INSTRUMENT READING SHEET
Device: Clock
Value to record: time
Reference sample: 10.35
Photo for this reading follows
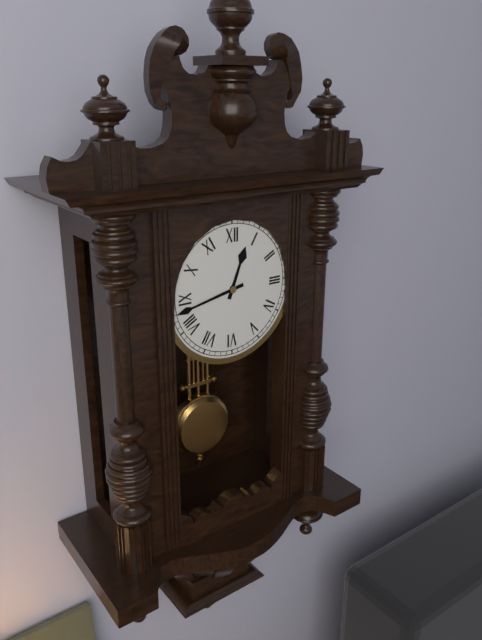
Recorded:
12.43
